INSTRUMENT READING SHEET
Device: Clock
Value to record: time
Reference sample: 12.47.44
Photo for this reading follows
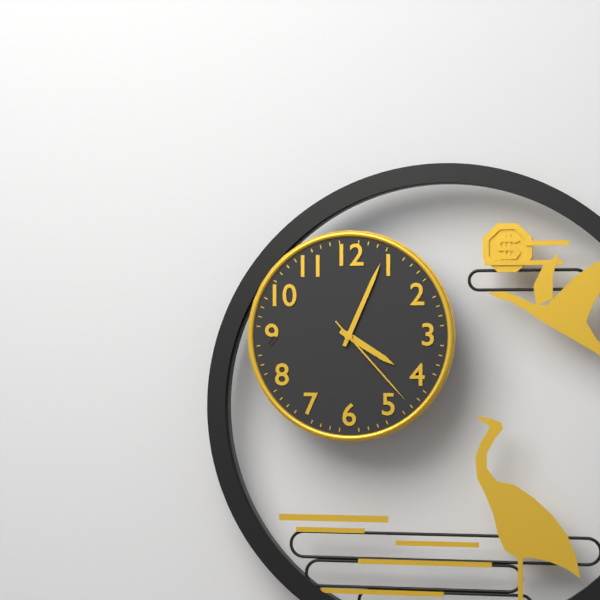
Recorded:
4.04.23
